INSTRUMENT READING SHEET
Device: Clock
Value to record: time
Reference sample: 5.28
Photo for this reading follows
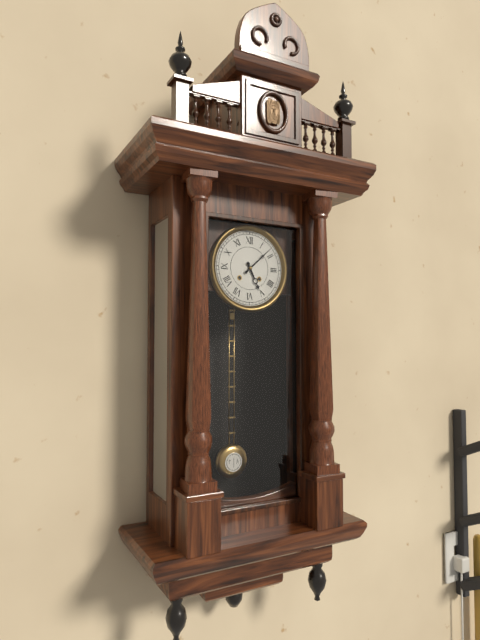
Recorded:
5.08
